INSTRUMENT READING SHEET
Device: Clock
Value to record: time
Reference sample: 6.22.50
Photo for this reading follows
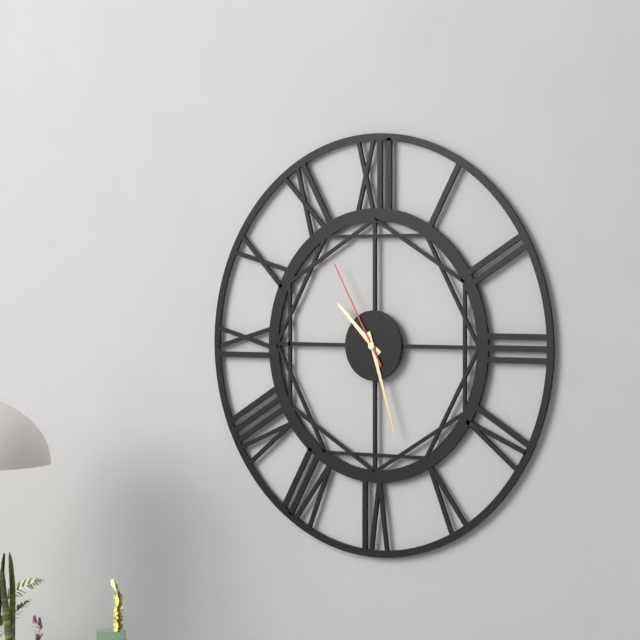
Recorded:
10.27.55
